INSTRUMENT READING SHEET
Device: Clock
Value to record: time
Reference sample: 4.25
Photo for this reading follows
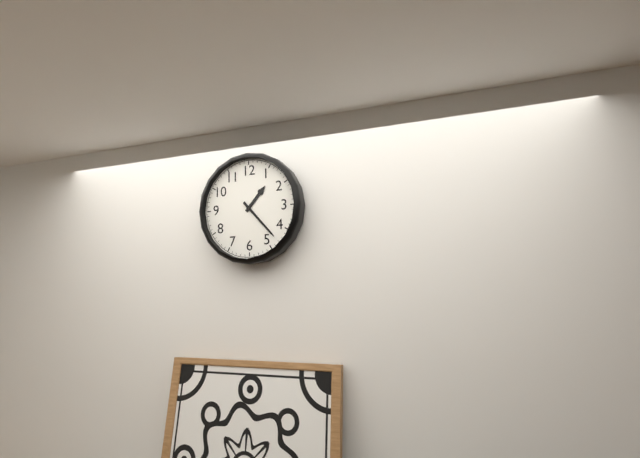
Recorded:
1.23
